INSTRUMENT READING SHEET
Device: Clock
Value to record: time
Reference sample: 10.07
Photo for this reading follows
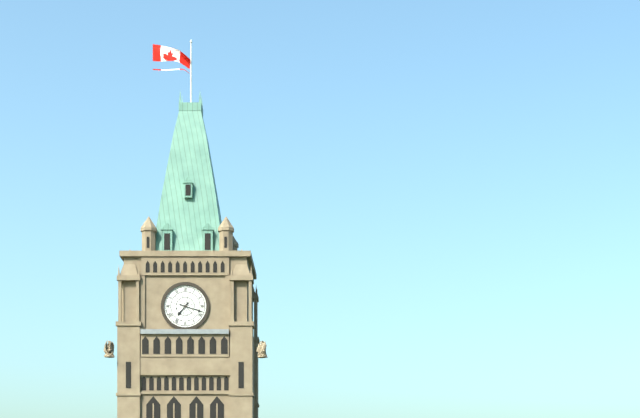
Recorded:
7.18
